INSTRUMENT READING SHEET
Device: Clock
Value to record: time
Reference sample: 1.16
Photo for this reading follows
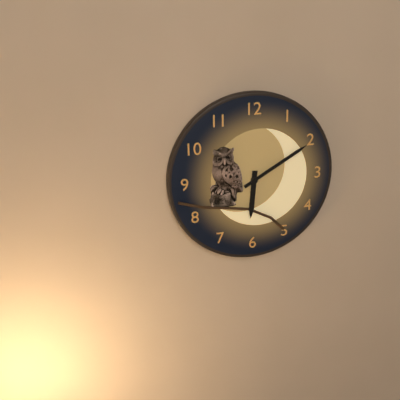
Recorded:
6.10
